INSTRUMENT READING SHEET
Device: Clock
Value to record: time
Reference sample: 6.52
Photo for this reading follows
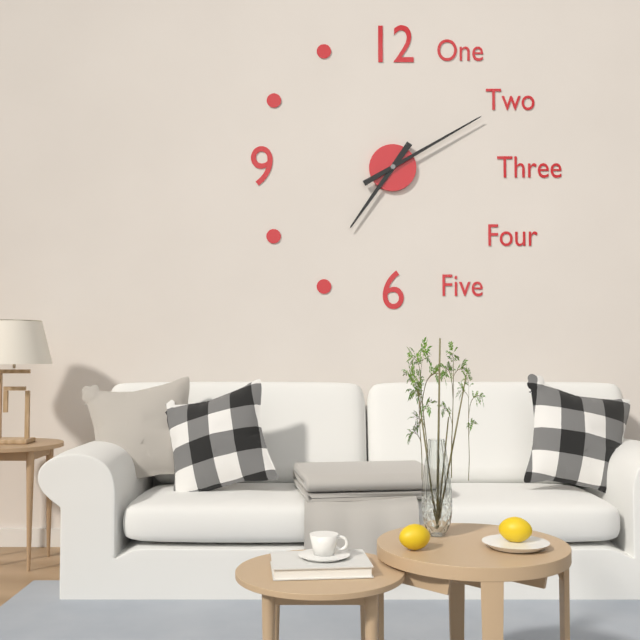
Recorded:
7.10
